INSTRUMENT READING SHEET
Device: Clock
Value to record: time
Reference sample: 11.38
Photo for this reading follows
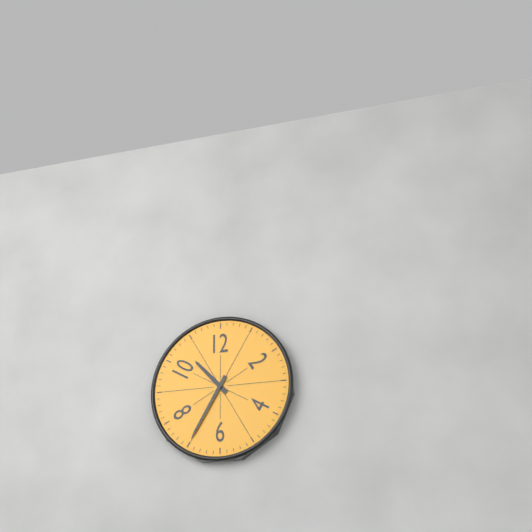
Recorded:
10.35
